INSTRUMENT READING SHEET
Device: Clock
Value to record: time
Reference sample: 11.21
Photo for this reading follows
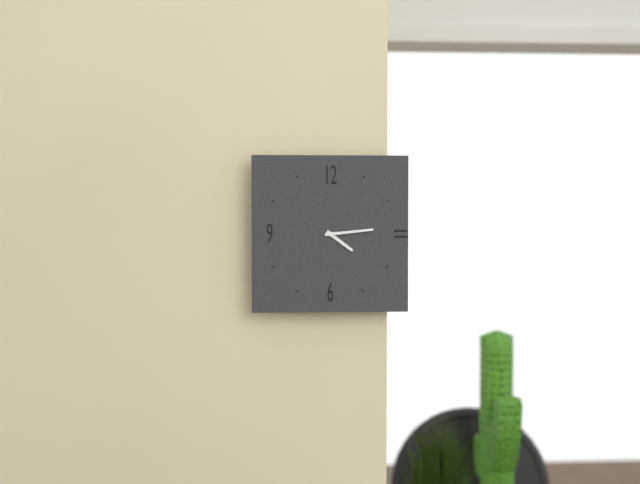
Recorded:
4.14
